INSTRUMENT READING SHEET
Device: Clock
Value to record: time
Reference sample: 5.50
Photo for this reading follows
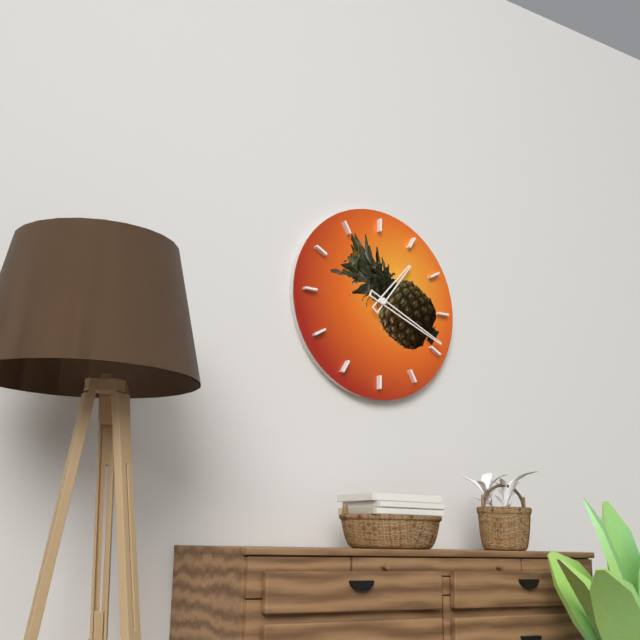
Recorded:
1.19
